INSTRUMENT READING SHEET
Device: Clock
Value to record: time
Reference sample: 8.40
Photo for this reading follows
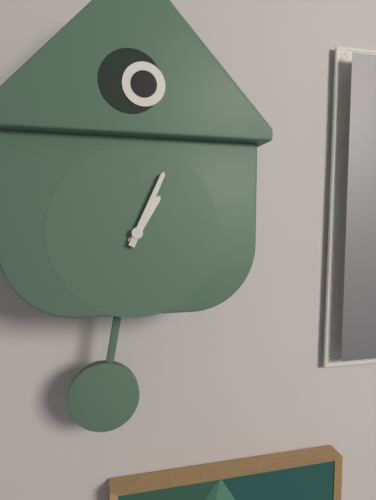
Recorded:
1.04
